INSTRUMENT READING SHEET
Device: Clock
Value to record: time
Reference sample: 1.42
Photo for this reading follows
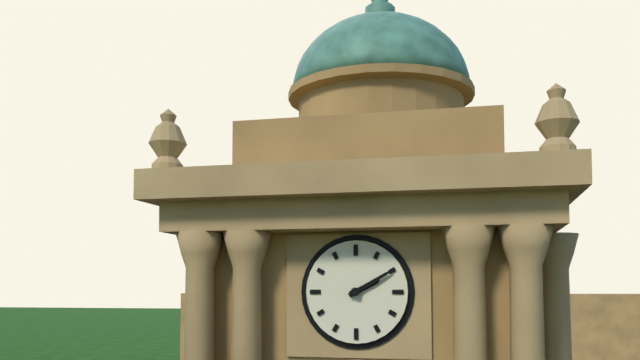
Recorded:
2.10
